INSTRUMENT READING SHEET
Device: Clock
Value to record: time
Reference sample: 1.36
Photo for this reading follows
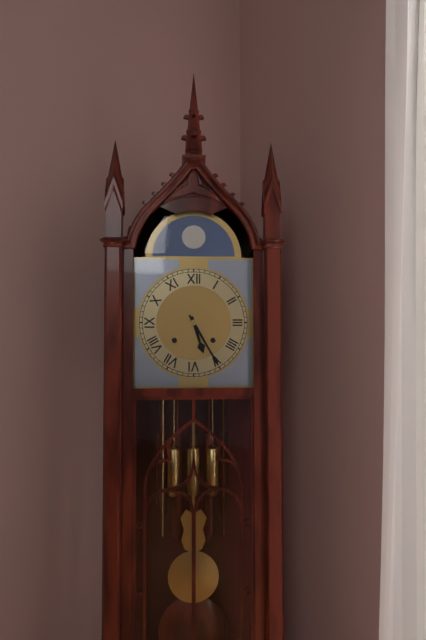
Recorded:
5.25
